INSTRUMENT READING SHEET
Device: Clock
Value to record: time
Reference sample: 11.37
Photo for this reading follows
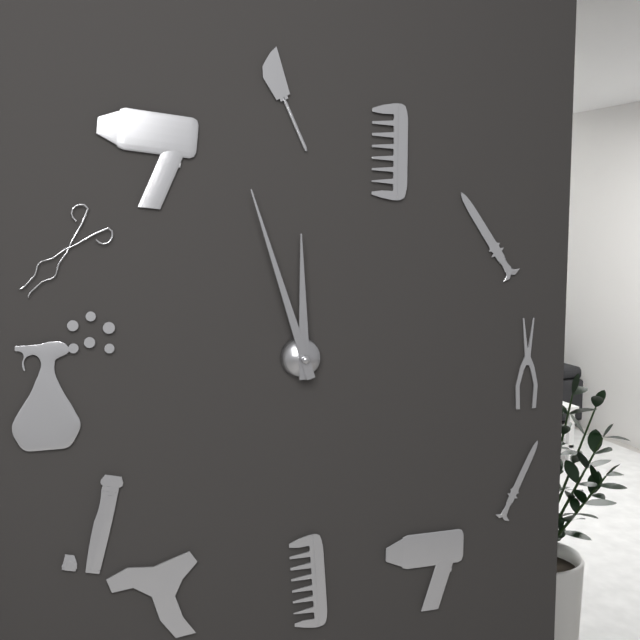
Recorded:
11.57
